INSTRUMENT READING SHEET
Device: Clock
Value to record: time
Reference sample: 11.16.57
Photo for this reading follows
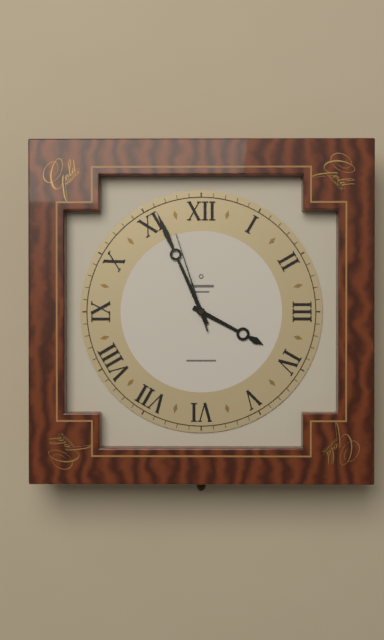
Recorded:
3.56.57
